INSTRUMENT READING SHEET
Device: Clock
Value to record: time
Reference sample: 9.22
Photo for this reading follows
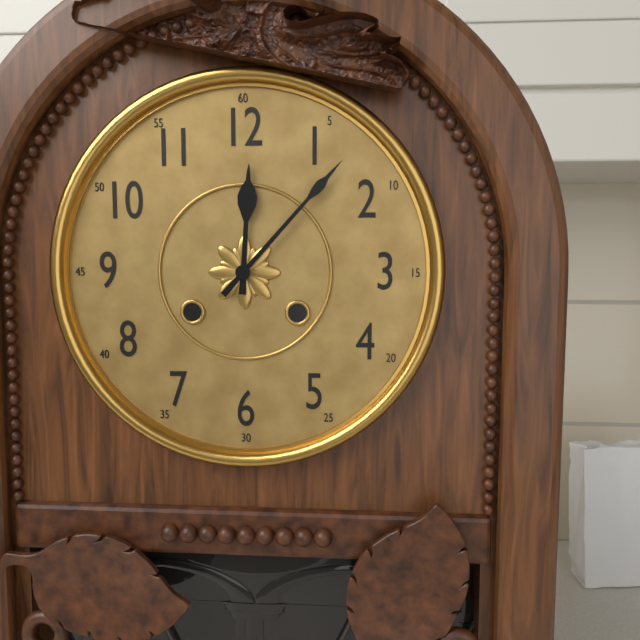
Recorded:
12.07
